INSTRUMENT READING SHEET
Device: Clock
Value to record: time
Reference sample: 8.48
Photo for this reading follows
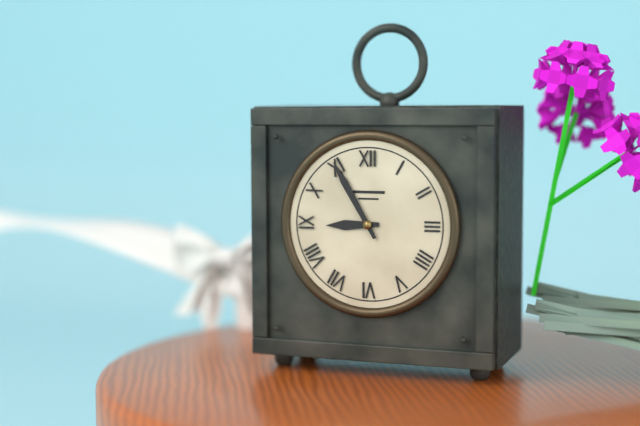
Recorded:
8.55
